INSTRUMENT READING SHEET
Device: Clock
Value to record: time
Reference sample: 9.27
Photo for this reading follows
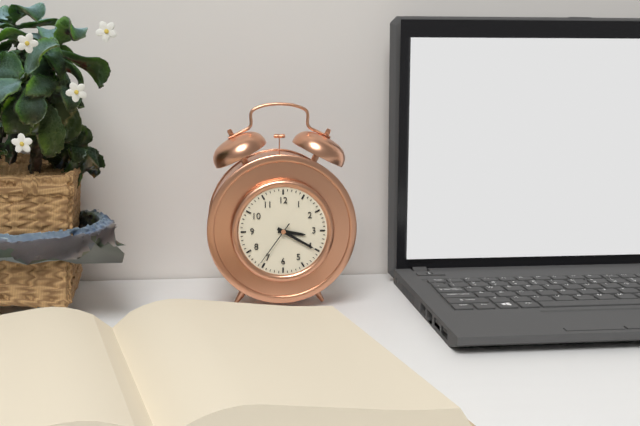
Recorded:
3.20
